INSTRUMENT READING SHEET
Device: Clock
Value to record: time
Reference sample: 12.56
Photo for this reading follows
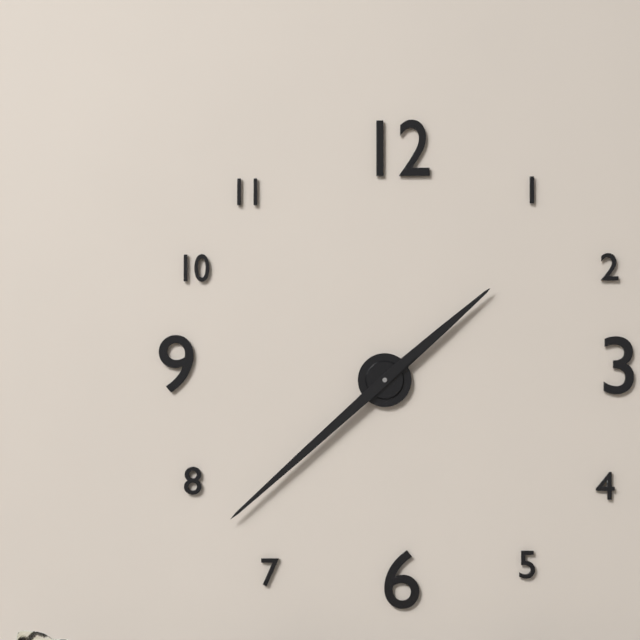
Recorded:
1.38
